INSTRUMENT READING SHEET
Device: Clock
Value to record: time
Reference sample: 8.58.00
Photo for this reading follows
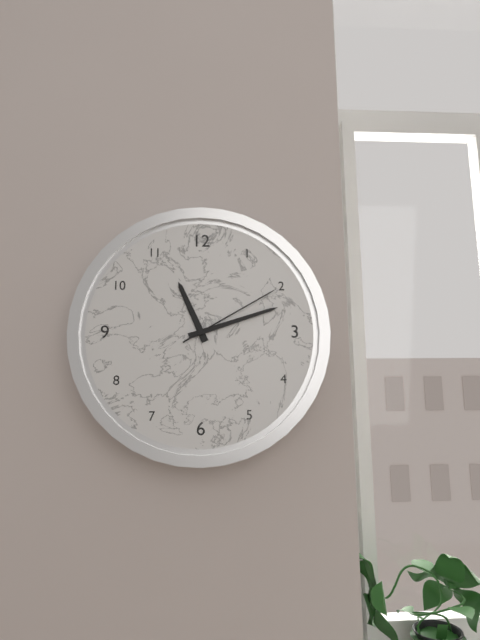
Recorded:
11.12.10
